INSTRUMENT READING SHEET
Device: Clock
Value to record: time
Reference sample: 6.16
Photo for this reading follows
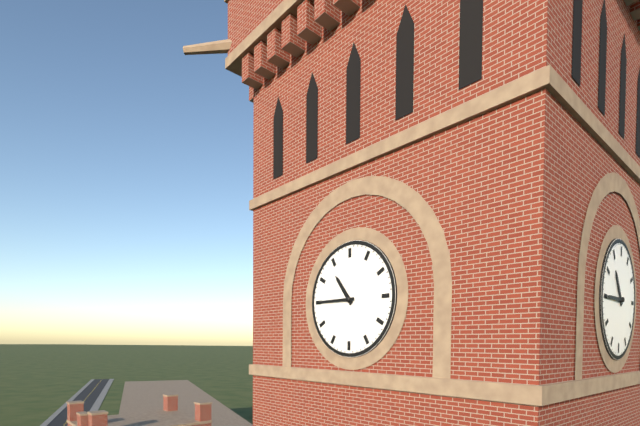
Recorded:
10.45
